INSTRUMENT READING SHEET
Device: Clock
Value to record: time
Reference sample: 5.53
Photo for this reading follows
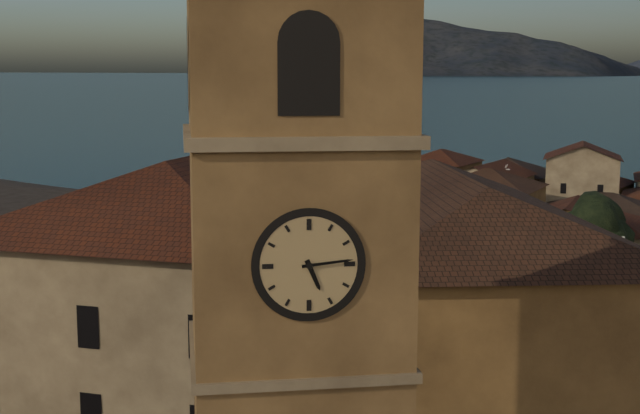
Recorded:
5.14
